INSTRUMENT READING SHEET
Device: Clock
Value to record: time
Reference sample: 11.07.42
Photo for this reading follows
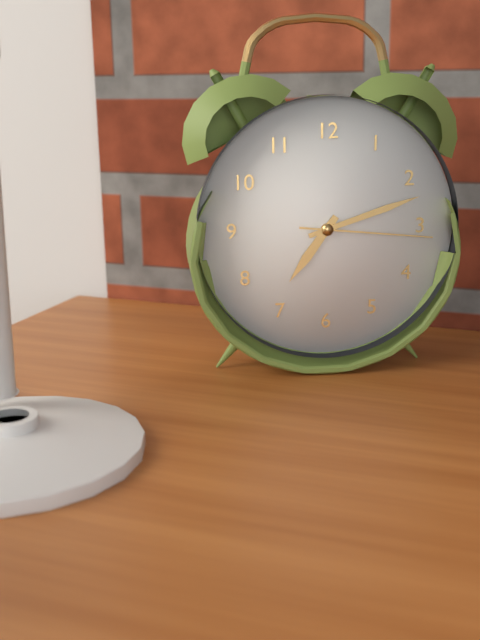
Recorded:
7.12.16
